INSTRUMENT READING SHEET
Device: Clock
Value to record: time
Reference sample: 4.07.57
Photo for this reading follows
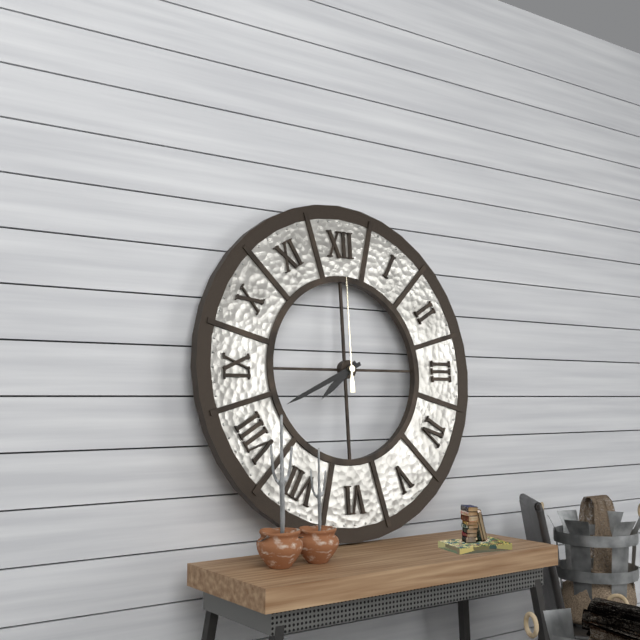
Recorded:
7.41.00
